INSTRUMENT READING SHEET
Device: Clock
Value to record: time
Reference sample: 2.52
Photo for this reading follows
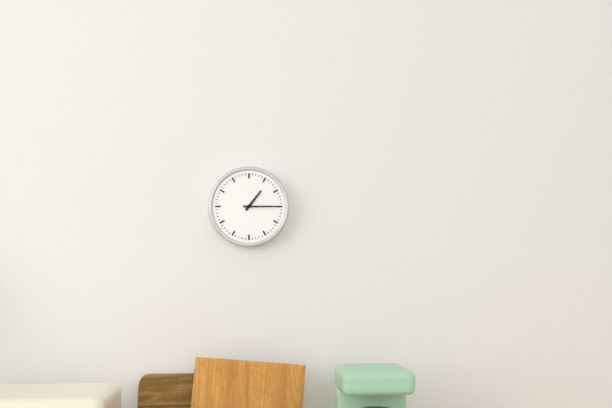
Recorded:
1.15
